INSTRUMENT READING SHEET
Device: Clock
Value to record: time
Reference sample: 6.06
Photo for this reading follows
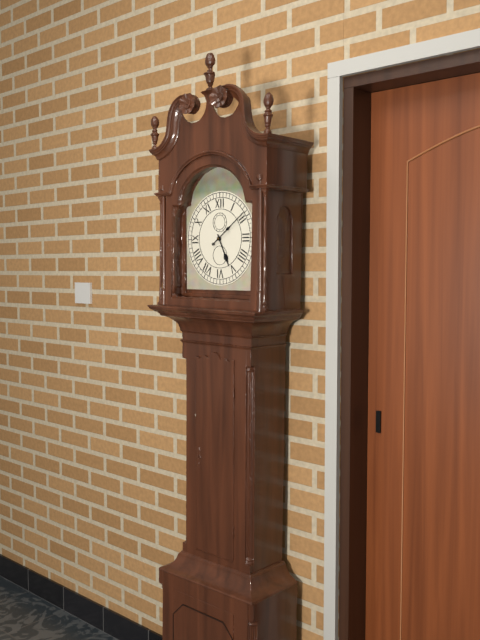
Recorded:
5.09
